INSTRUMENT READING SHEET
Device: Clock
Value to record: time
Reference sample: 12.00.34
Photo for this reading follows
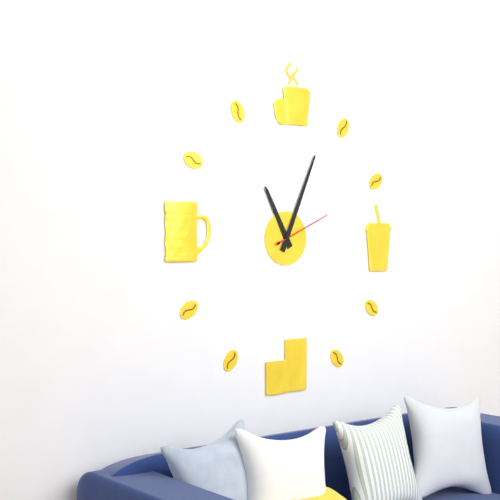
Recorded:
11.04.11
